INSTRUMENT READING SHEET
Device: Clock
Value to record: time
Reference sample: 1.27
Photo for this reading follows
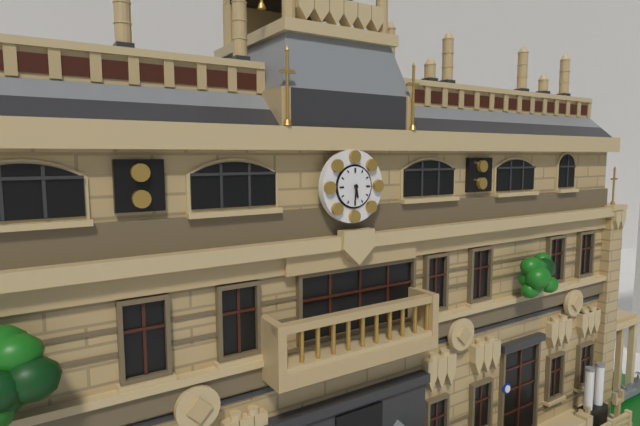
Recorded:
5.31
